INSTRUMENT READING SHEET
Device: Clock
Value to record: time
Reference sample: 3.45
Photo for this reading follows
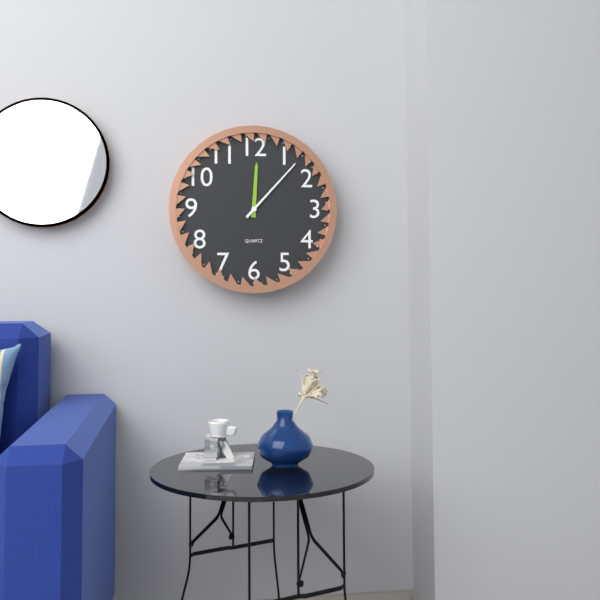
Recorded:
12.07
